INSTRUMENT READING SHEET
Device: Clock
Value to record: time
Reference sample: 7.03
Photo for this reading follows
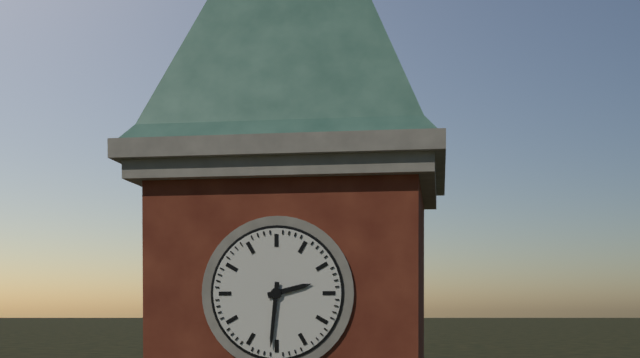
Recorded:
2.31
